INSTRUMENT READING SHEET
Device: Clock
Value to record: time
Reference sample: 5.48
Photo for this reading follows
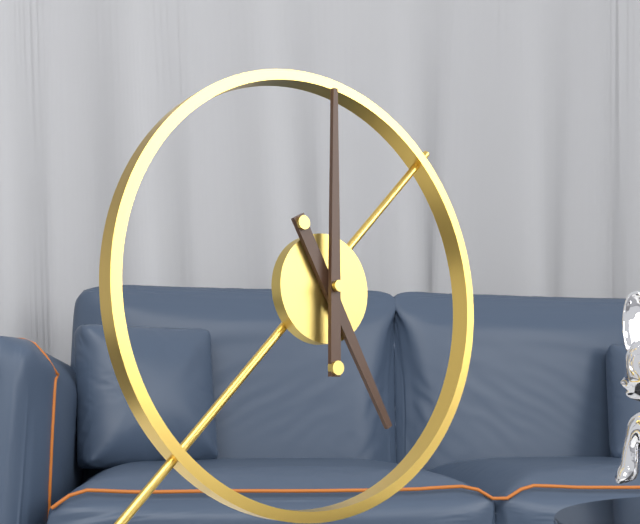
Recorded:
5.00
